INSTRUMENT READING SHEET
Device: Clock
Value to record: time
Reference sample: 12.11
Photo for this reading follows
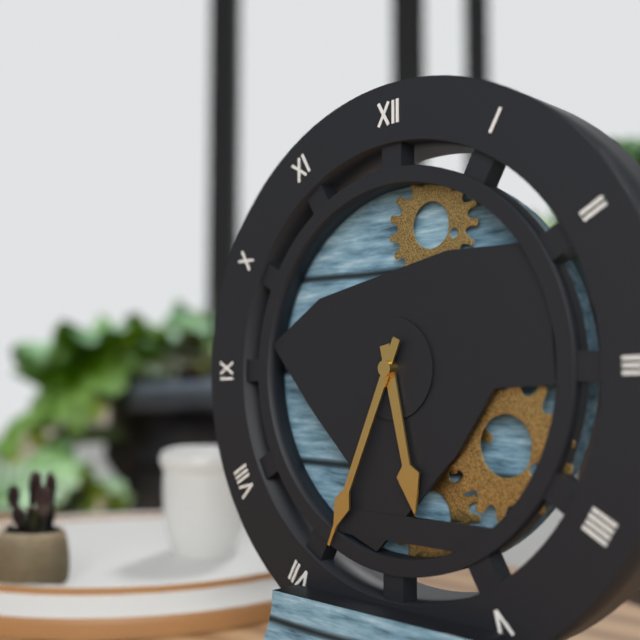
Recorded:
5.34
